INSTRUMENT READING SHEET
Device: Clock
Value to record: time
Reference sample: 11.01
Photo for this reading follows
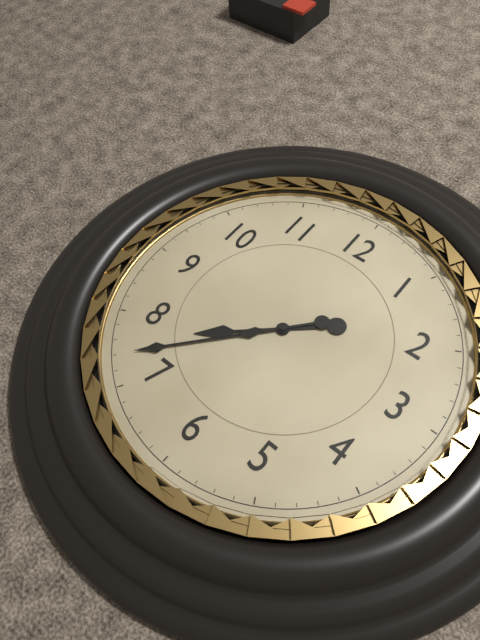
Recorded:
7.37
